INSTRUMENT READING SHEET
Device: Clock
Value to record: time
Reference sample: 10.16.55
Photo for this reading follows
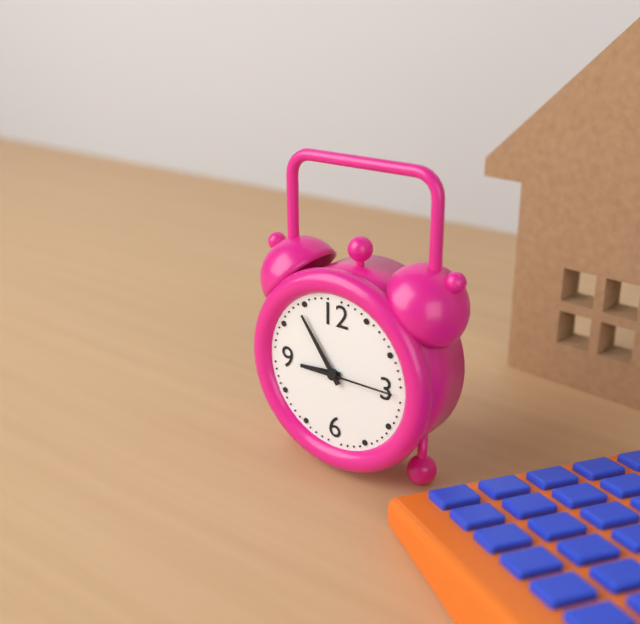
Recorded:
8.54.15
